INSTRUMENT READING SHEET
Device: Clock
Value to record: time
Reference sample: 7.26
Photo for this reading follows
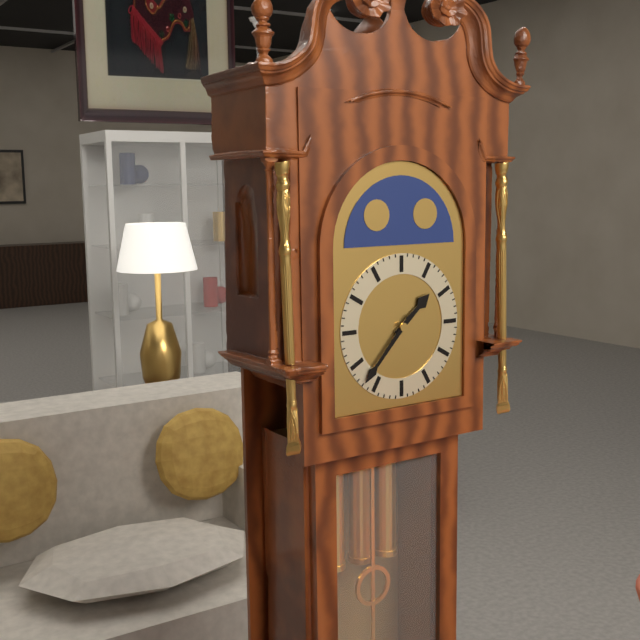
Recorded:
1.37
